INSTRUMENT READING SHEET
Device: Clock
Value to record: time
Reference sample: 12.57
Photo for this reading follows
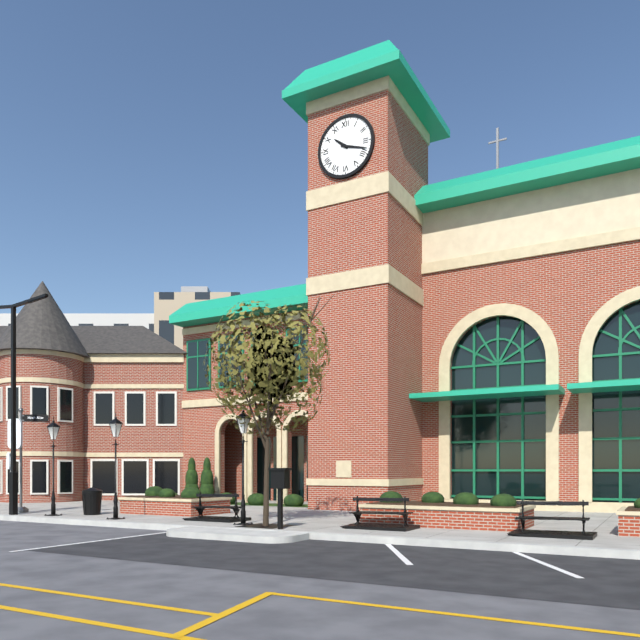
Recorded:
10.18
